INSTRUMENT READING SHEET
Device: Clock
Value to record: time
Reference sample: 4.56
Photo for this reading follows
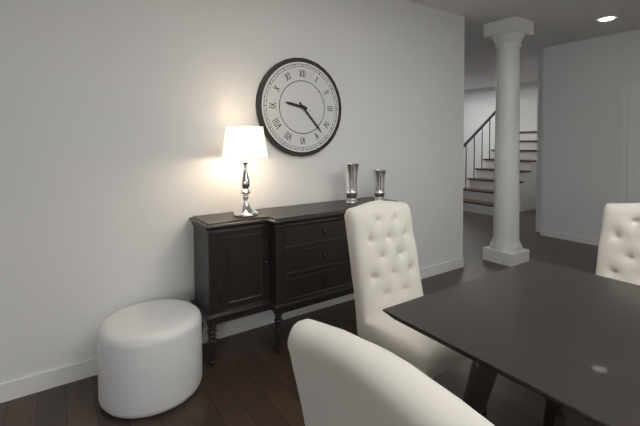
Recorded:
9.23
